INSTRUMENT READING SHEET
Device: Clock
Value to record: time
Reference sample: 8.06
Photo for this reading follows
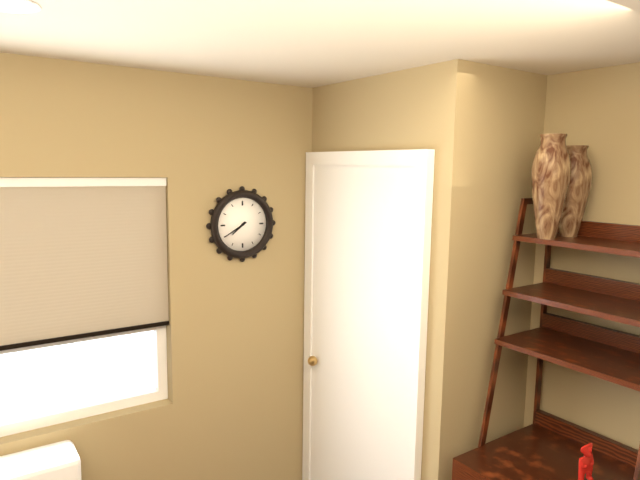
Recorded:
7.40
